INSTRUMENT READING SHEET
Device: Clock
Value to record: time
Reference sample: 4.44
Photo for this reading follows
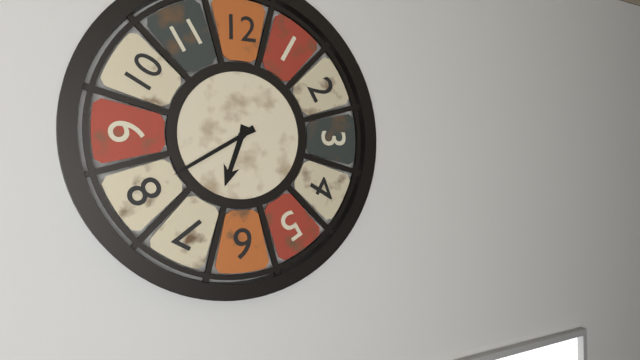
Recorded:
6.40
